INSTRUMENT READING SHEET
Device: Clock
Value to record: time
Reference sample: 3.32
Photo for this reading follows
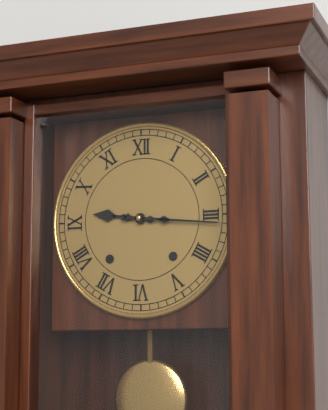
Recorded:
9.16
